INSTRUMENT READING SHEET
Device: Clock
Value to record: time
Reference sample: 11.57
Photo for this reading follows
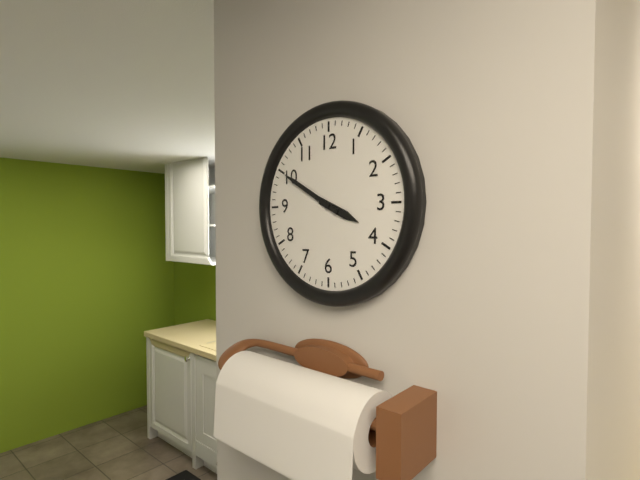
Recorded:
3.50
